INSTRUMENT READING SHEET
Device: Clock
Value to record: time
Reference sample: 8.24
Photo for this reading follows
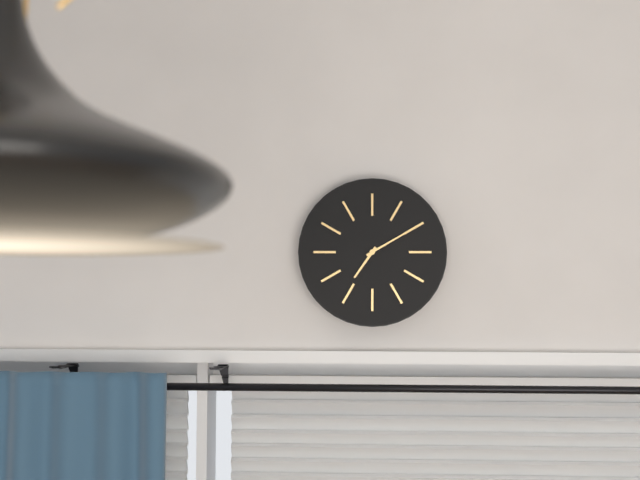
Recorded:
7.10
